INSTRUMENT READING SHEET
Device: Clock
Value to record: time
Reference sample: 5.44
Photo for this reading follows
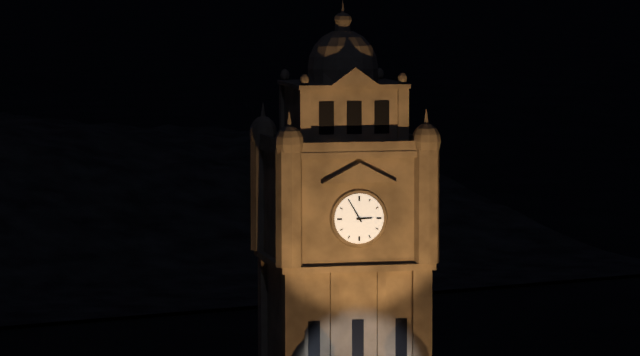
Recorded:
2.55
